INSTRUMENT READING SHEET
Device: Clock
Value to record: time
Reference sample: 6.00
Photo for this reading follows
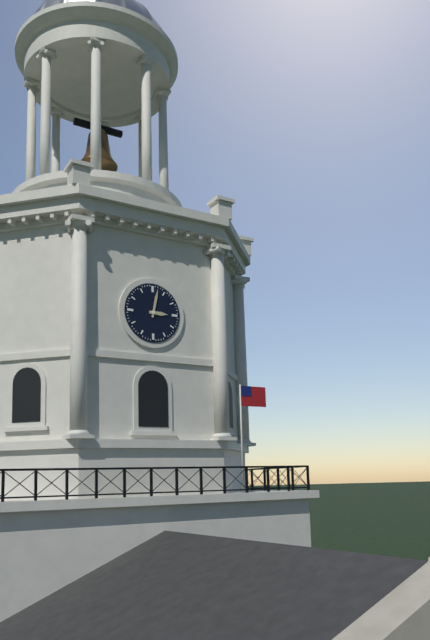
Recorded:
3.02
